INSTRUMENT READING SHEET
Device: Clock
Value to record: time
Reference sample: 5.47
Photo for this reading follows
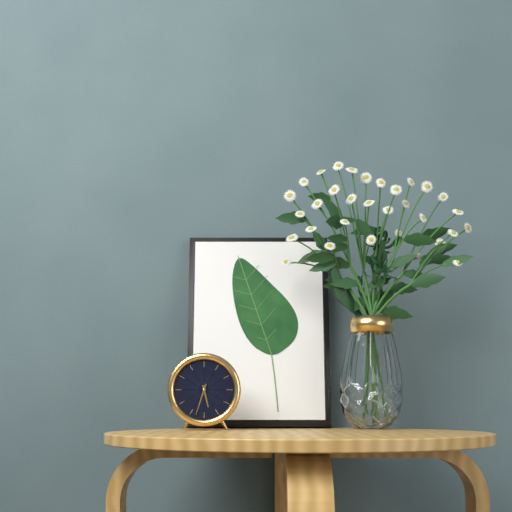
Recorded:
5.33
